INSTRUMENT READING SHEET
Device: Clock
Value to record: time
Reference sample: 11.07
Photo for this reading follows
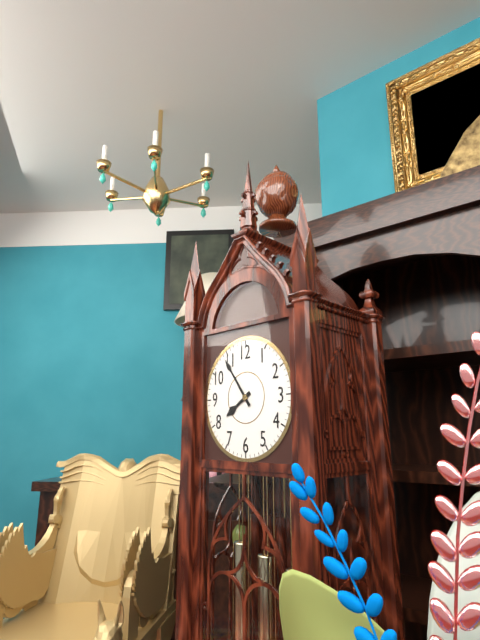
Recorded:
7.54
